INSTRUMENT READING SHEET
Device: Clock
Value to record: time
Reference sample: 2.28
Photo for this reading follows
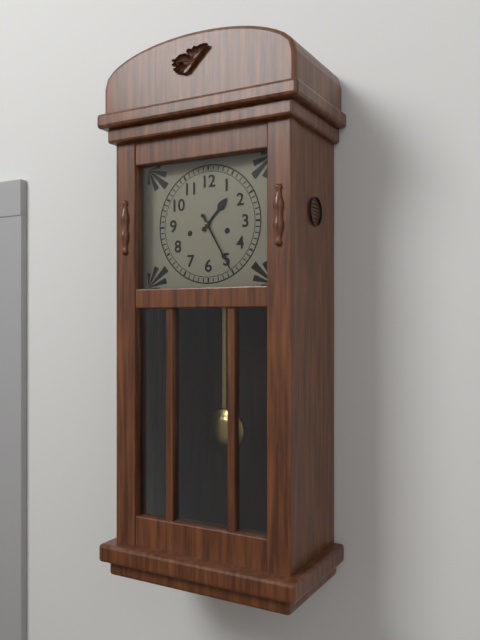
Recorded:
1.25
